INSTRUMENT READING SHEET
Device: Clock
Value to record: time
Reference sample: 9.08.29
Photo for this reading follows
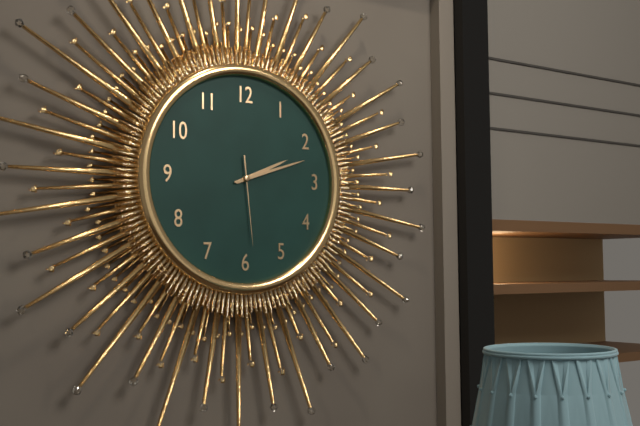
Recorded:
2.12.29
